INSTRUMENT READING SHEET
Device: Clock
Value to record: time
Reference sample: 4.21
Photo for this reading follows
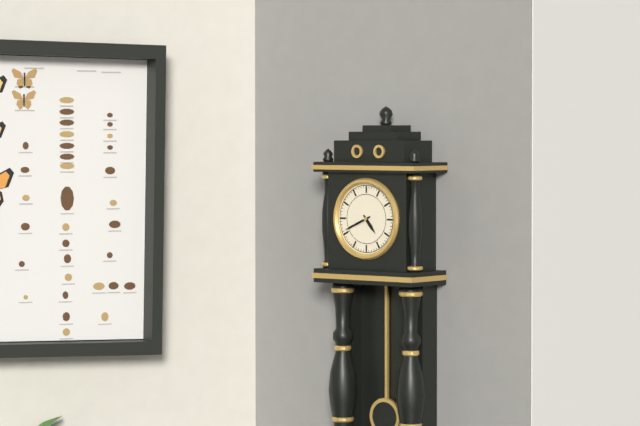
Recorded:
4.41
